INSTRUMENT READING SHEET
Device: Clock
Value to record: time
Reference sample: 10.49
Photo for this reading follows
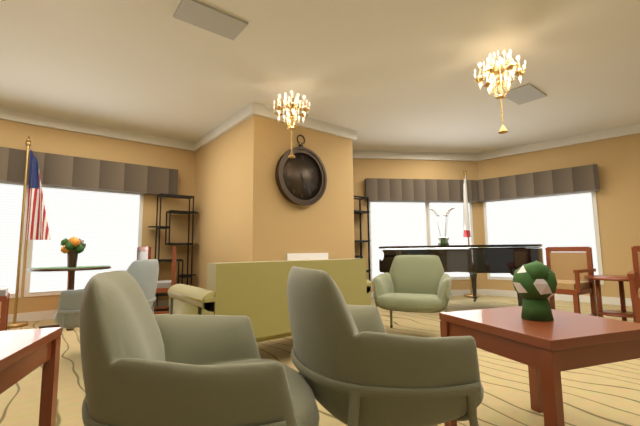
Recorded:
5.25
